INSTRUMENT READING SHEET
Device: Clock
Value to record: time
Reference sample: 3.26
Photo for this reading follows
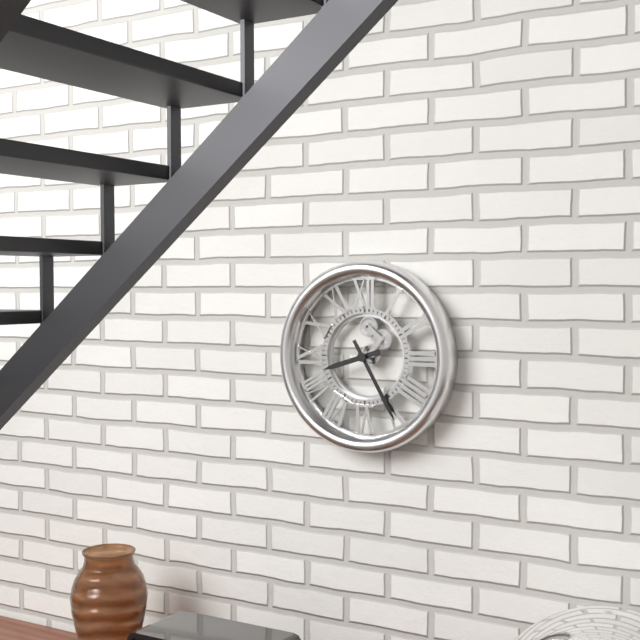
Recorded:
8.25
